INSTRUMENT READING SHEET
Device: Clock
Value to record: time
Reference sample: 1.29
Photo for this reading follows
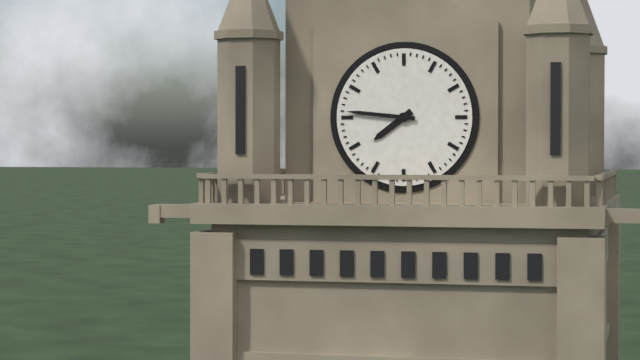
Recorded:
7.46
